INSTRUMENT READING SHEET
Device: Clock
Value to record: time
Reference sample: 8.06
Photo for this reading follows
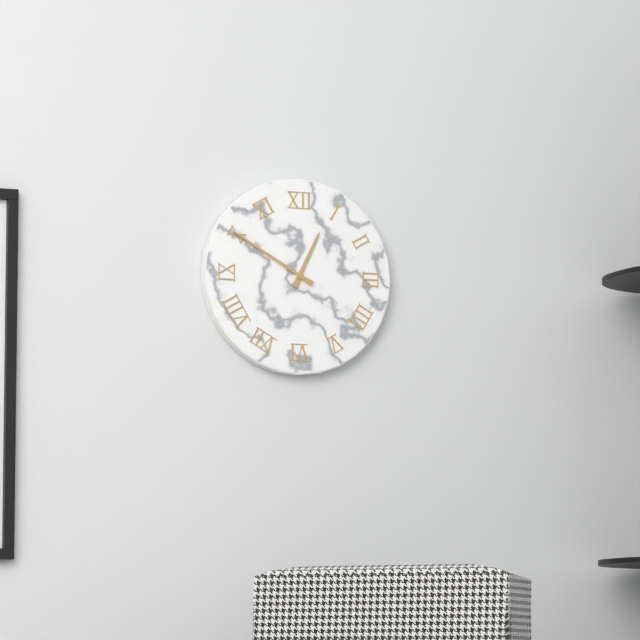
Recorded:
12.50
